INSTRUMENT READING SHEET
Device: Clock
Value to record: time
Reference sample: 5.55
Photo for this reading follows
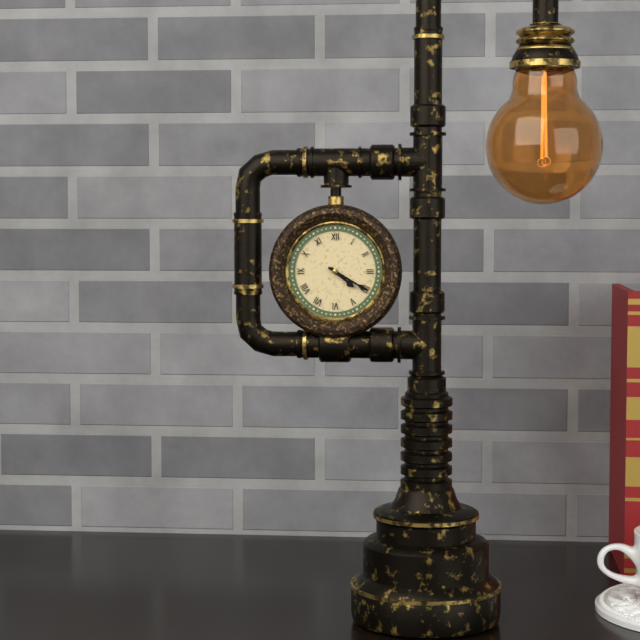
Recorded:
4.20
